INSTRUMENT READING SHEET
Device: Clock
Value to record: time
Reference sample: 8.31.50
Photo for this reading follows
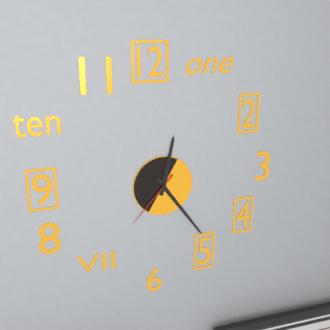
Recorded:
12.24.37
